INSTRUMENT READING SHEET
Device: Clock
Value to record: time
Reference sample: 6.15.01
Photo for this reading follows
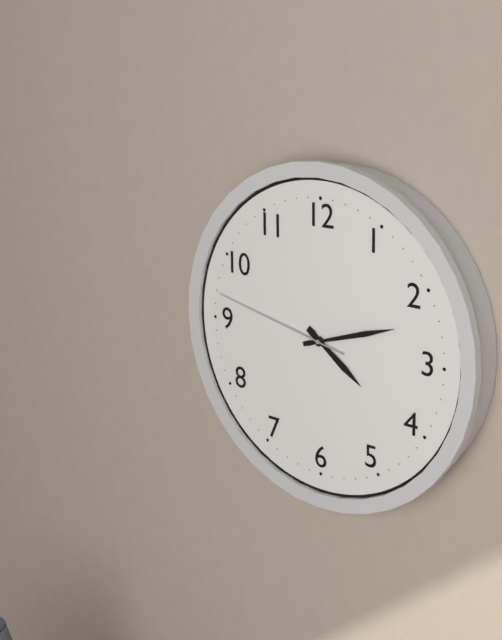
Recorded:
4.12.47
